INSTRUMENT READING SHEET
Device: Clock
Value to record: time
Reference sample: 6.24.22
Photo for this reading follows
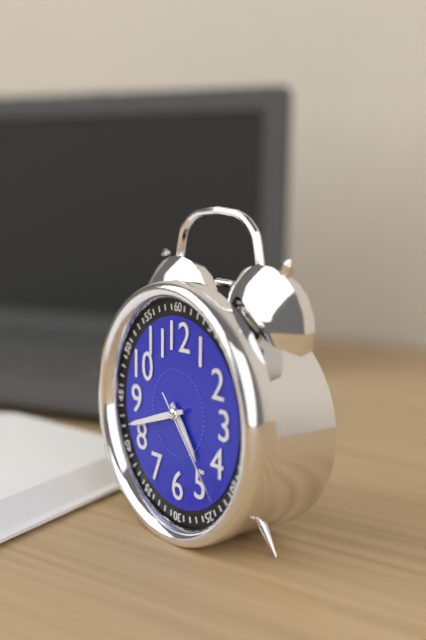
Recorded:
4.42.23
